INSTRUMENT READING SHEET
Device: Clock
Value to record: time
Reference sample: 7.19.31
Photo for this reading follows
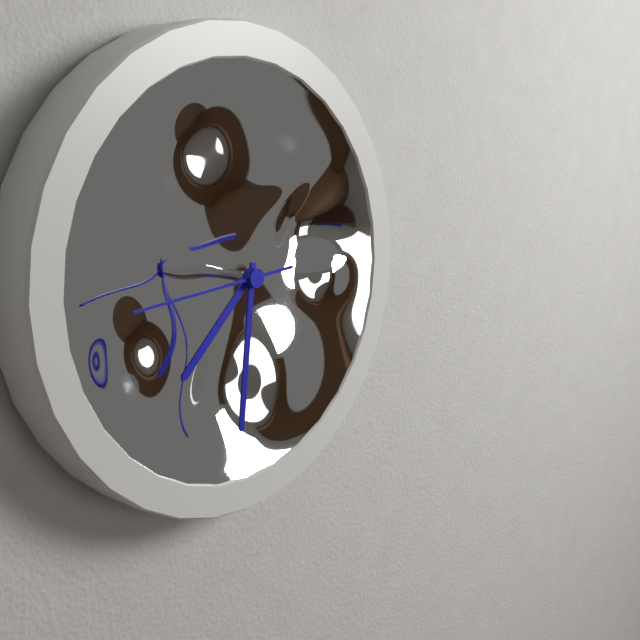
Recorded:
7.31.44
